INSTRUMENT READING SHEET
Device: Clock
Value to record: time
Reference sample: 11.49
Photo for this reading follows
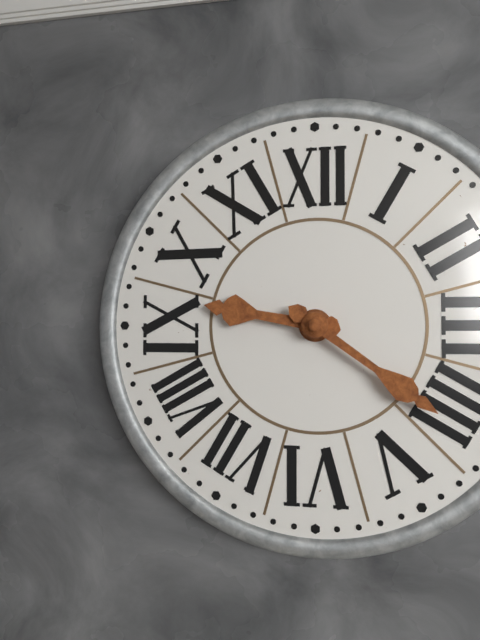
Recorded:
9.21
